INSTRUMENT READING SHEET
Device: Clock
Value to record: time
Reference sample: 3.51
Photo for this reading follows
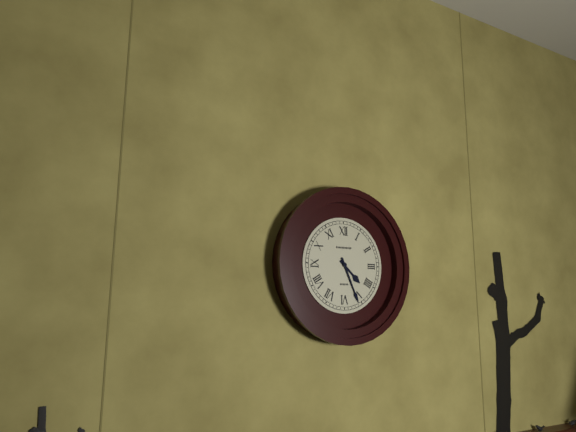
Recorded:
4.26
